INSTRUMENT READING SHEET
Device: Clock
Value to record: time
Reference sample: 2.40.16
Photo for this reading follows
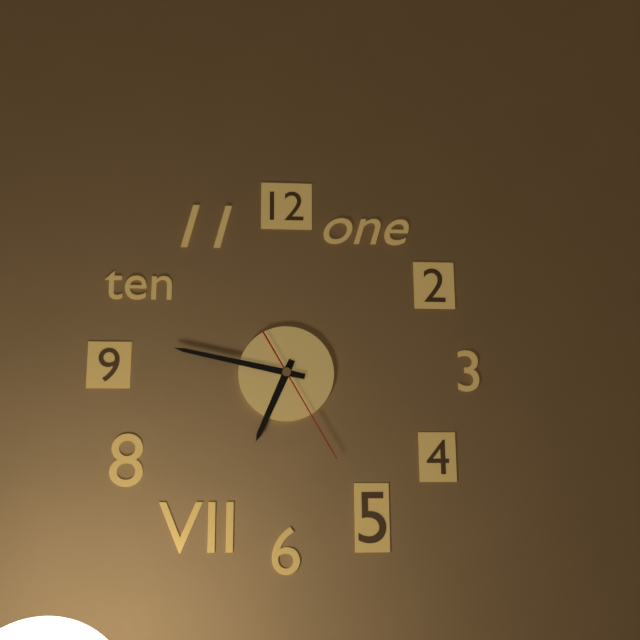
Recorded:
6.47.25
